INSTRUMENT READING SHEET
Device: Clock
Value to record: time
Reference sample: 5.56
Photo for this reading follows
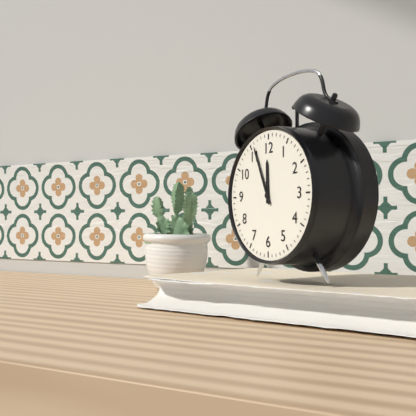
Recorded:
11.56
